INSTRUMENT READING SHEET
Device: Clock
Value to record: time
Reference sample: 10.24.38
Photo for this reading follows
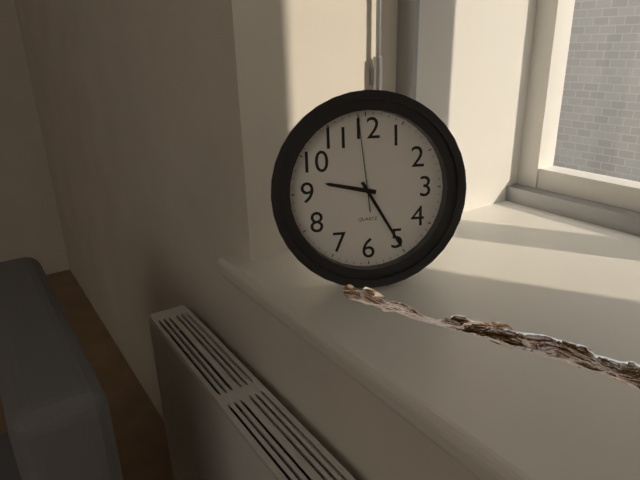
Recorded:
9.25.59
